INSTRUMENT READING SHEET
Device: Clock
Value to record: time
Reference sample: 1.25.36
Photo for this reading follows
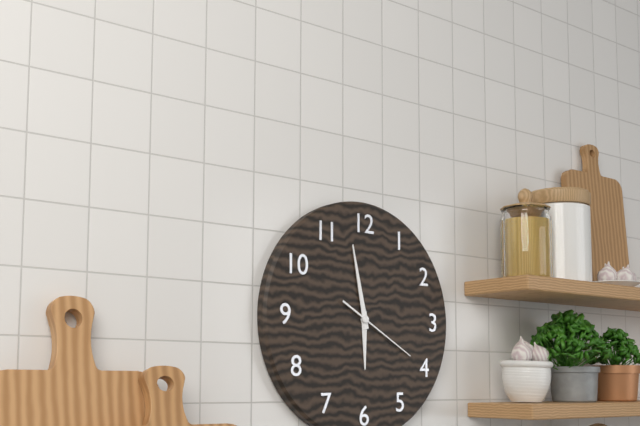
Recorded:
5.58.20
